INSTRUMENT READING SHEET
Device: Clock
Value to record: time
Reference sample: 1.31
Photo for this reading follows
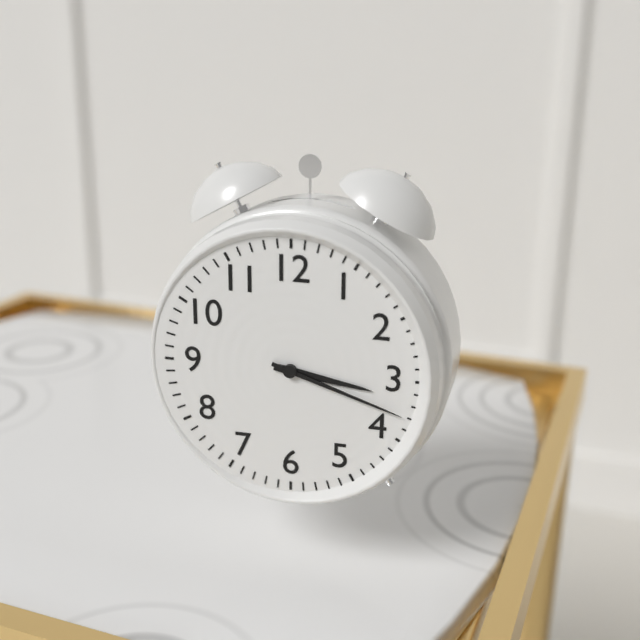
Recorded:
3.18
